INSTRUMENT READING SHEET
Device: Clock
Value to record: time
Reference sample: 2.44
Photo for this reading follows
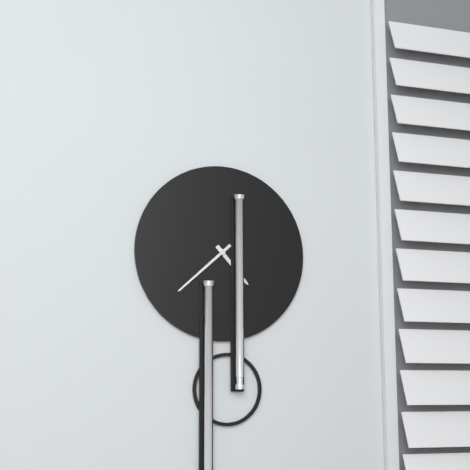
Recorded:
4.38
